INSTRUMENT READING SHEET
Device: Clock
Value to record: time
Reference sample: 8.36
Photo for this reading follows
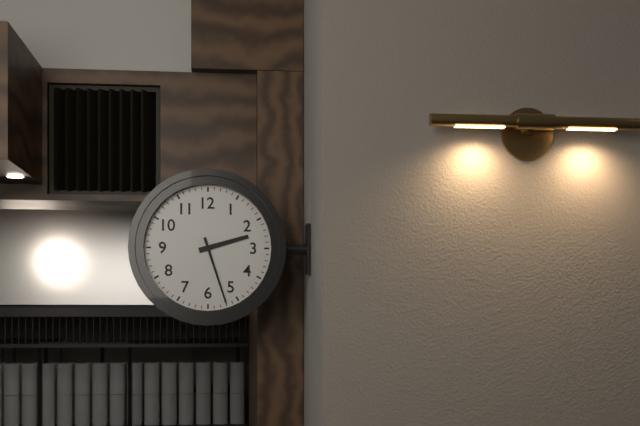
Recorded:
2.27
